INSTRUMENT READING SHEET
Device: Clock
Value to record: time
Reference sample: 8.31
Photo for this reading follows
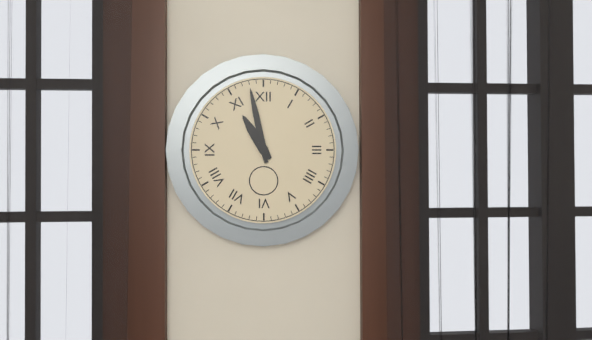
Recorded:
10.58
